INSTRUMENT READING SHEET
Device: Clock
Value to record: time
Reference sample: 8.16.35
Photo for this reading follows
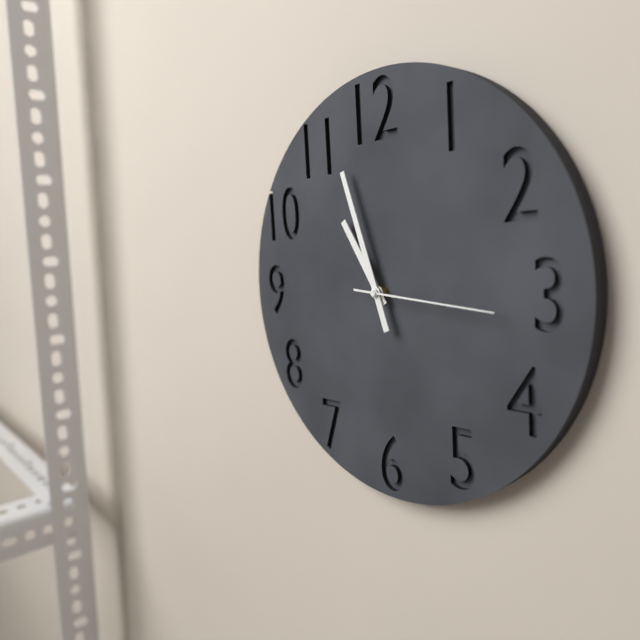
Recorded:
10.57.16
